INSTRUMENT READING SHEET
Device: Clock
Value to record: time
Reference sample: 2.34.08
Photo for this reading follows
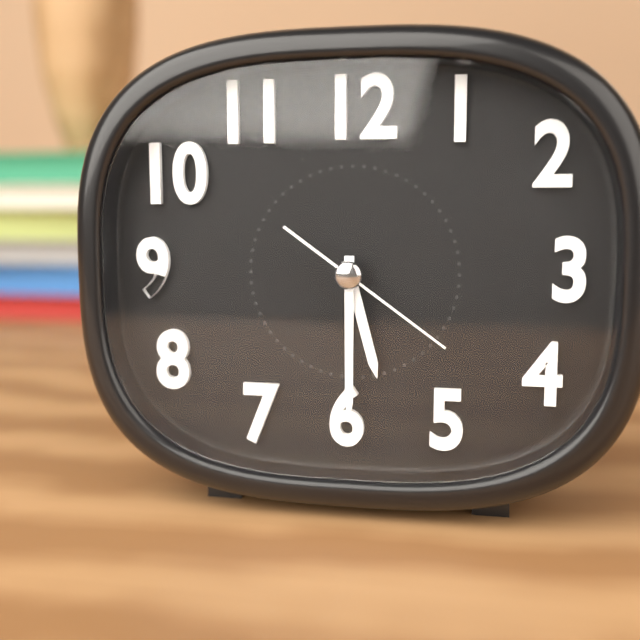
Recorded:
5.30.21
